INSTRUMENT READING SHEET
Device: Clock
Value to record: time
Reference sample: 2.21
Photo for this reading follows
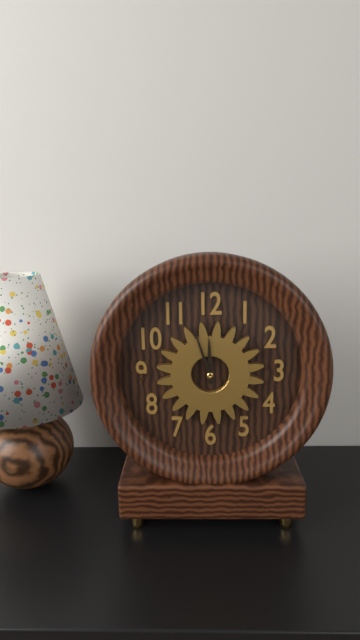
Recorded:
11.57
